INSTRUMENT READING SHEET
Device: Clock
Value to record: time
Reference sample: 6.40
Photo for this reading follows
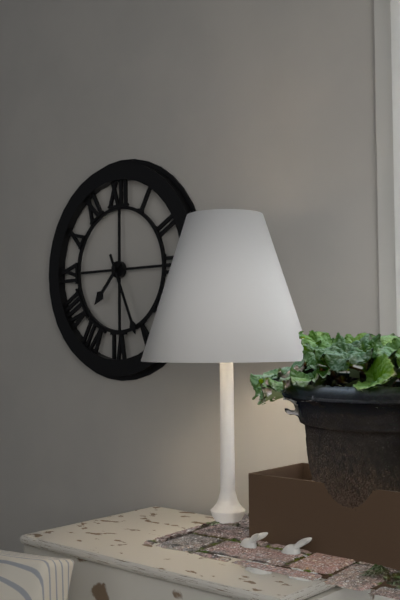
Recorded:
7.26
